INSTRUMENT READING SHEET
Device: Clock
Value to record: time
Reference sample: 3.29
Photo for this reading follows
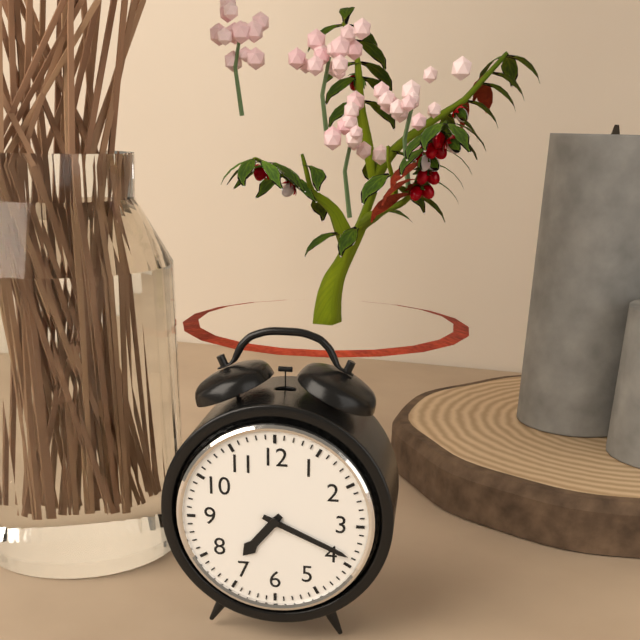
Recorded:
7.19
